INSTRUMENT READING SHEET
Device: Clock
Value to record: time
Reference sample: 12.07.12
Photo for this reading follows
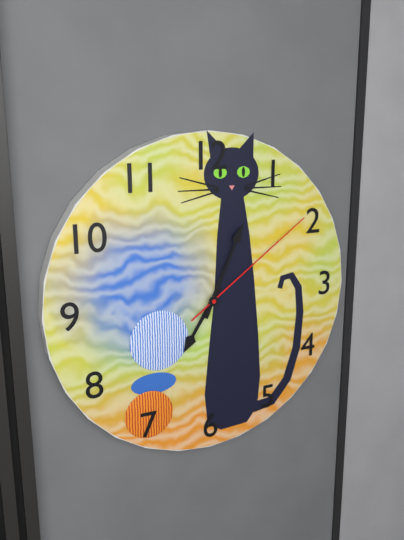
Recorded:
7.04.09
